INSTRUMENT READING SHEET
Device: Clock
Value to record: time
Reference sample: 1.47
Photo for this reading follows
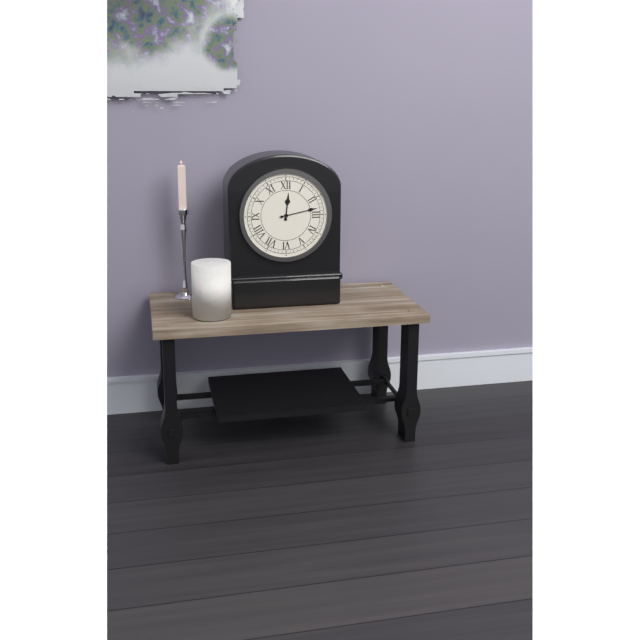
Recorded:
12.13
